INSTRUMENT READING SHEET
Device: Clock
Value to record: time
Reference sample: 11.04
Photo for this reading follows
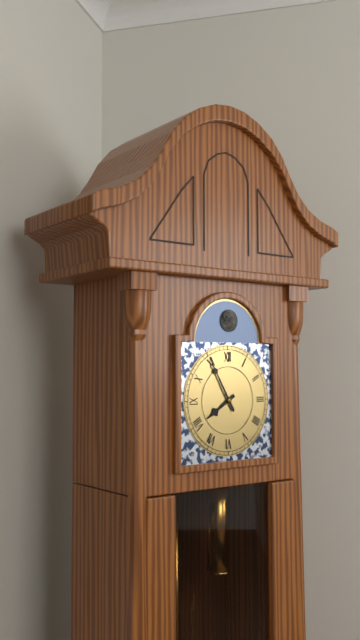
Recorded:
7.55
